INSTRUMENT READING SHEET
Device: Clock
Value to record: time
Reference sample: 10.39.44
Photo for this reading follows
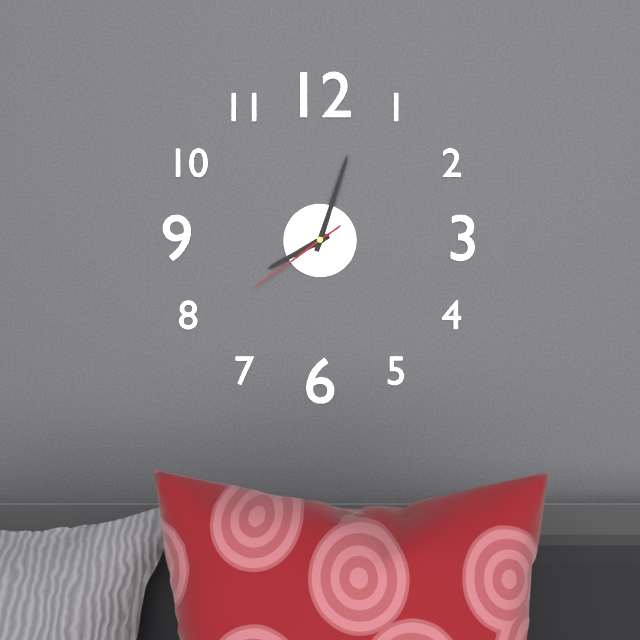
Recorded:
8.03.39
